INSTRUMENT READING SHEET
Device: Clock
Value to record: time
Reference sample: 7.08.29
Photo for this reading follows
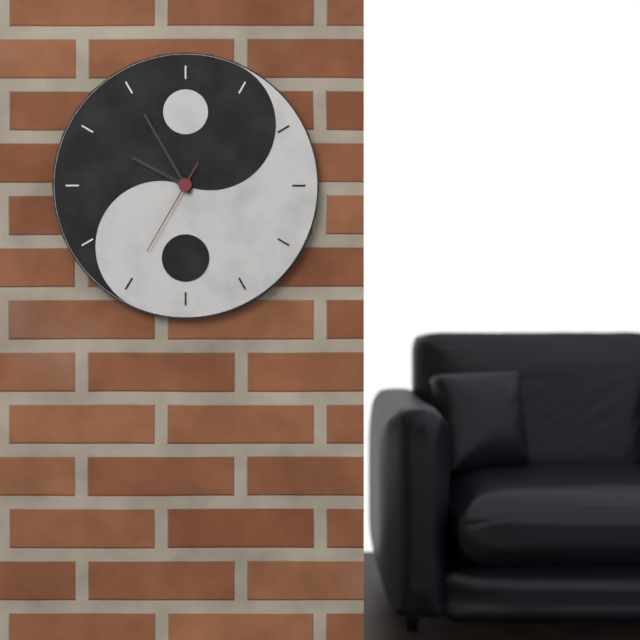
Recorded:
9.55.35
